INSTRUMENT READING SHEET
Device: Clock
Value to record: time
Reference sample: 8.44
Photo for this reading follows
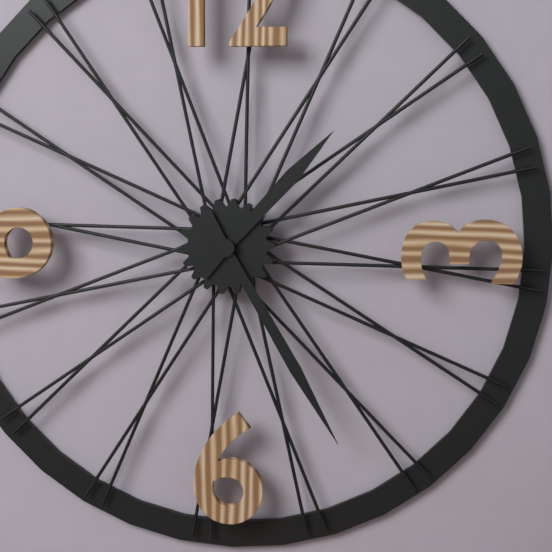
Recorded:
1.25
